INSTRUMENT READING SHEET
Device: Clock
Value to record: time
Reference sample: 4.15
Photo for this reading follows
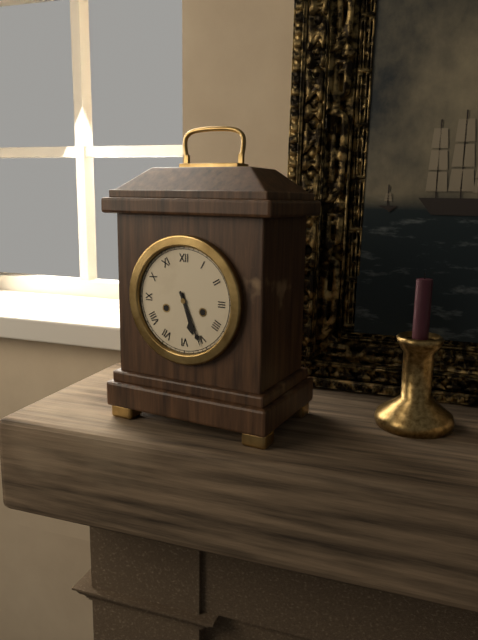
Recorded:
5.26
